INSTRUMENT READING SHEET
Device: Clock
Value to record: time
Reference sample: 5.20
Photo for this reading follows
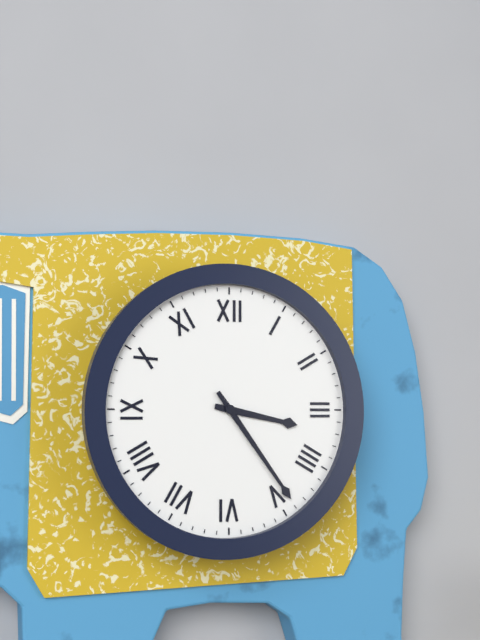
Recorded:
3.24
